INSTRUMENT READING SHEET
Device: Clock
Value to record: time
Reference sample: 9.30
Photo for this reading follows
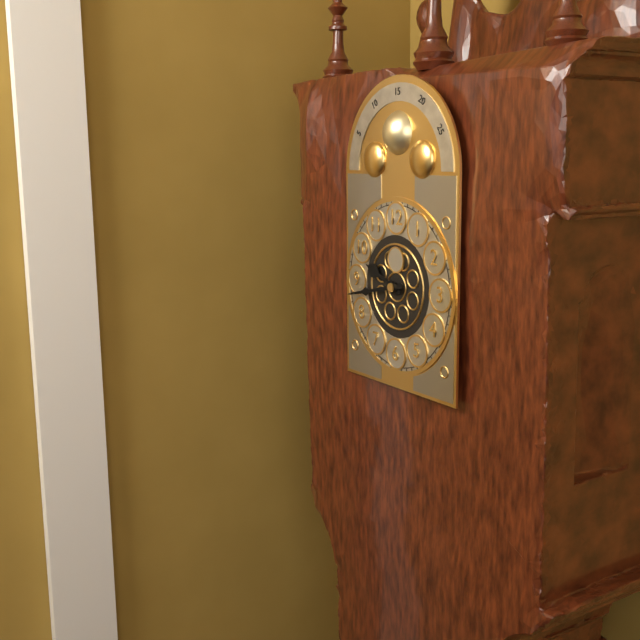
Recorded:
9.43
